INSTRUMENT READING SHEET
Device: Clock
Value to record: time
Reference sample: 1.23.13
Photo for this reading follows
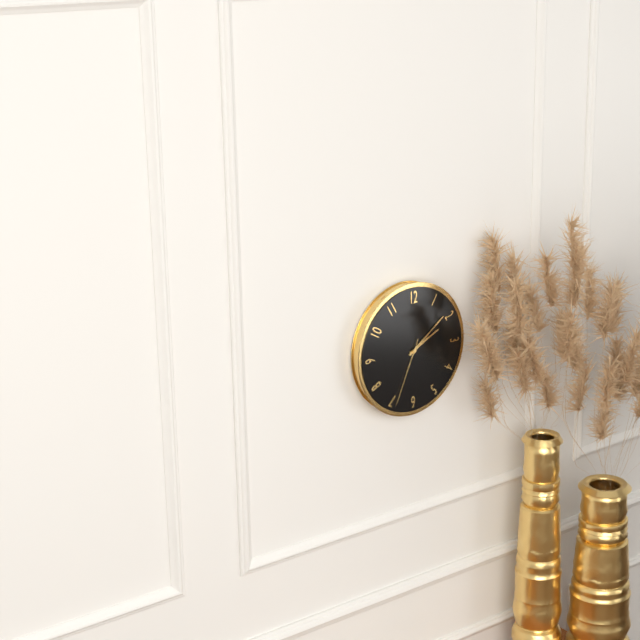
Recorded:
2.09.34
